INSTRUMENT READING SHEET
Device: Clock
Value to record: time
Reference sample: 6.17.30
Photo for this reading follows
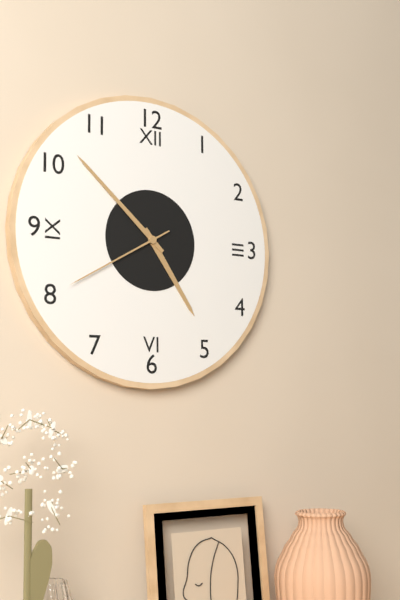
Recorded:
4.52.40
